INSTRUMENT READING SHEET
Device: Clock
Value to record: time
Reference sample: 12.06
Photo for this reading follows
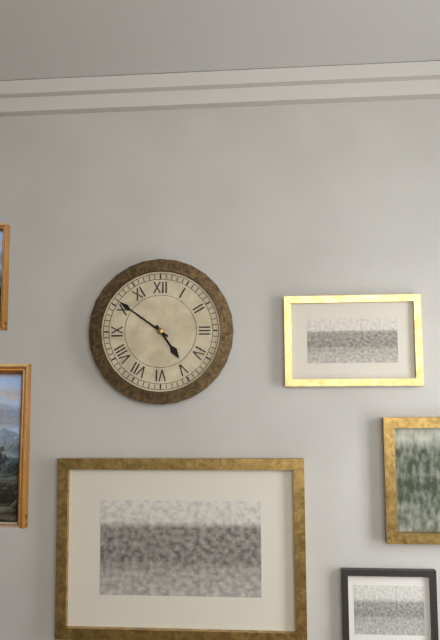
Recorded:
4.51
